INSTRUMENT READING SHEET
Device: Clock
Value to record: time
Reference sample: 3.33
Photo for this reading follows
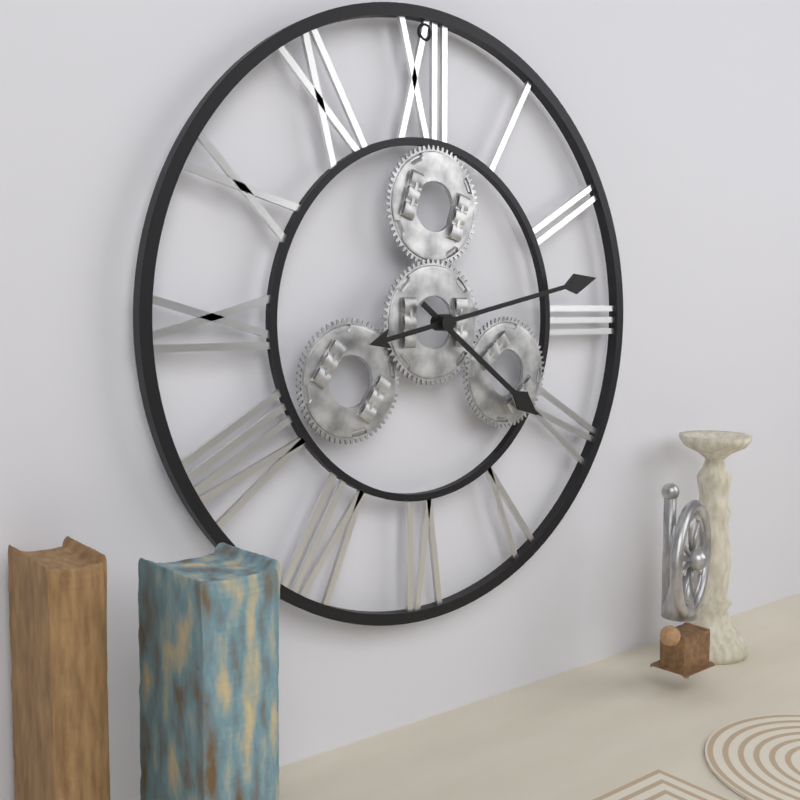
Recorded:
4.13
